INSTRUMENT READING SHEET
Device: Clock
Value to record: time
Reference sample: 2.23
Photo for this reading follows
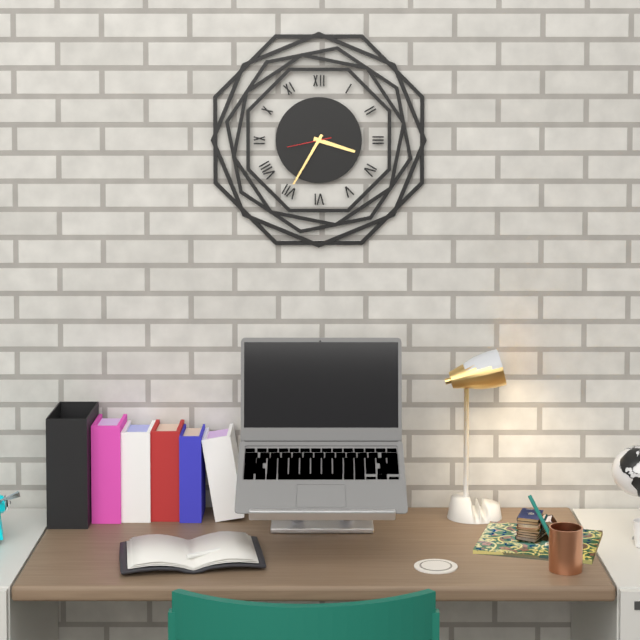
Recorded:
3.35
